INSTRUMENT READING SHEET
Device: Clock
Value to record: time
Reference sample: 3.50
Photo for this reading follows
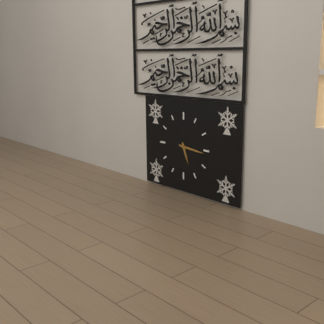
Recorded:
5.16
